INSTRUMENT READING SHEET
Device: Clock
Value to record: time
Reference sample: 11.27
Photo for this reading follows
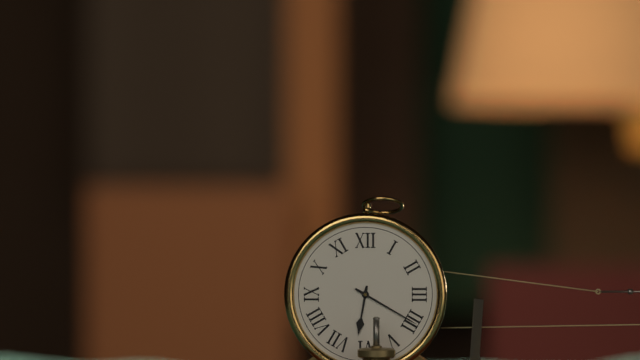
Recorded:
6.20
